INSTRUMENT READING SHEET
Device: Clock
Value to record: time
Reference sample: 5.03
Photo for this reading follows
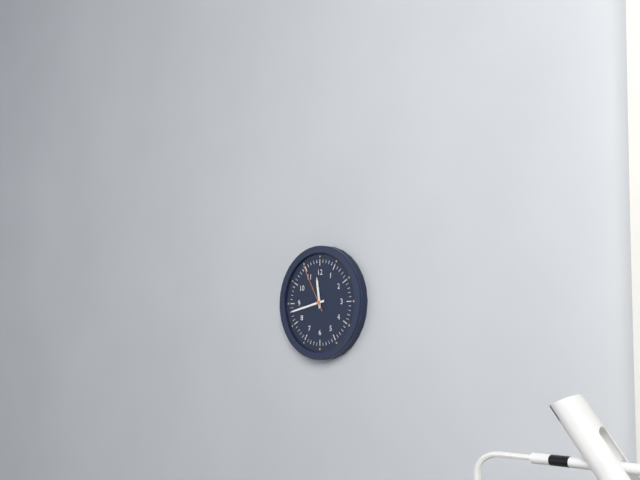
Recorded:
11.43
